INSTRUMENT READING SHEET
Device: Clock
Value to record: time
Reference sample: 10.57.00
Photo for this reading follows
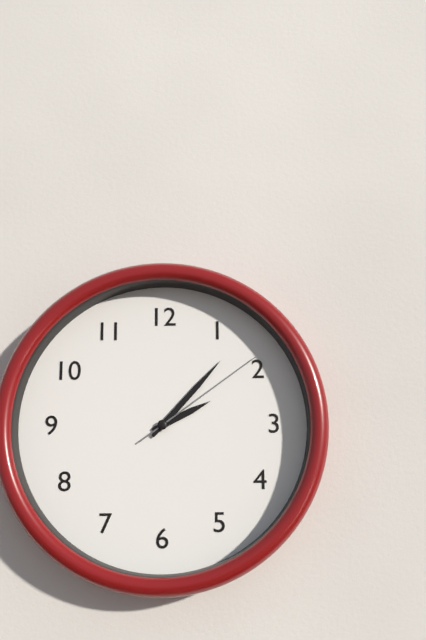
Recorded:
2.07.09
